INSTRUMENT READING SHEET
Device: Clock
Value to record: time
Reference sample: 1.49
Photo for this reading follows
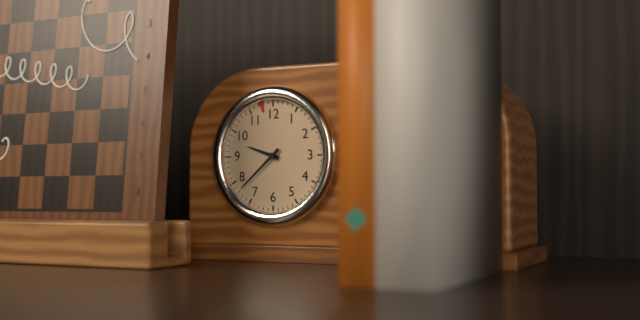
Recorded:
9.38
